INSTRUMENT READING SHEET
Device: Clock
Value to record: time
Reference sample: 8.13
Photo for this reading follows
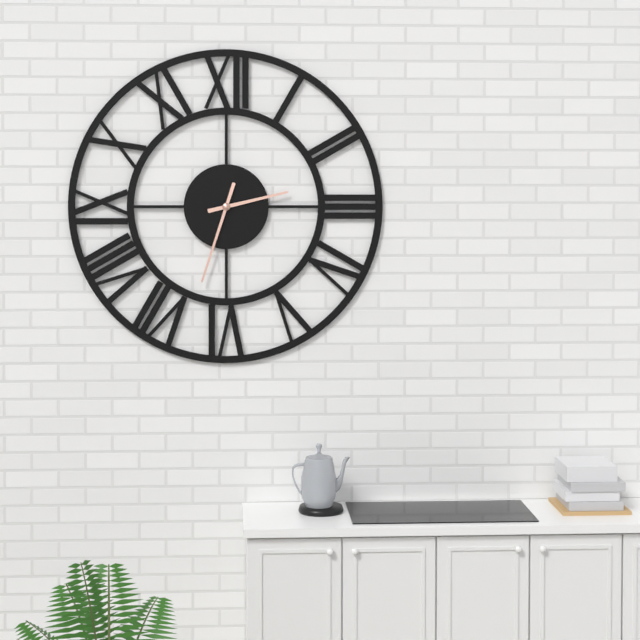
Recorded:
2.33
